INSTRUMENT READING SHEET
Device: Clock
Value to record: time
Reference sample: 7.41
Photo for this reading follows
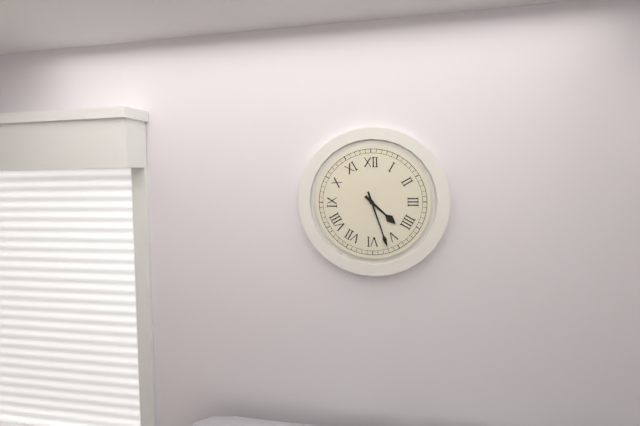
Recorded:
4.27
